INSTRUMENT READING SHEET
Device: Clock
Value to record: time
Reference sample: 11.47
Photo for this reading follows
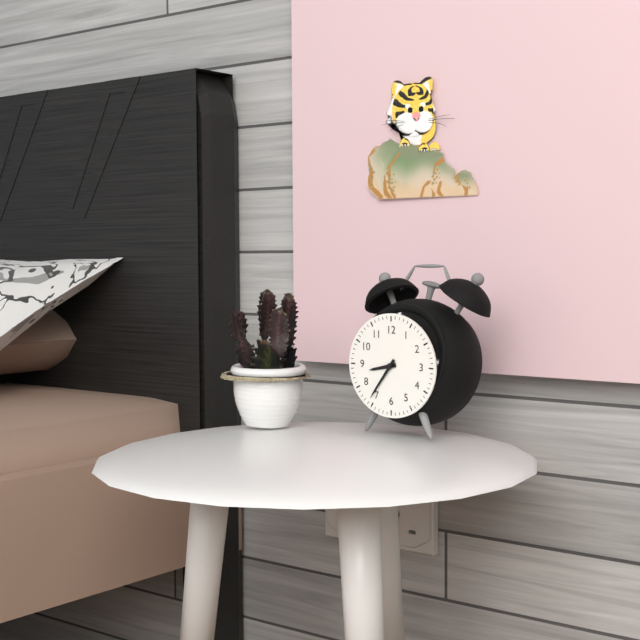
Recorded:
8.36
